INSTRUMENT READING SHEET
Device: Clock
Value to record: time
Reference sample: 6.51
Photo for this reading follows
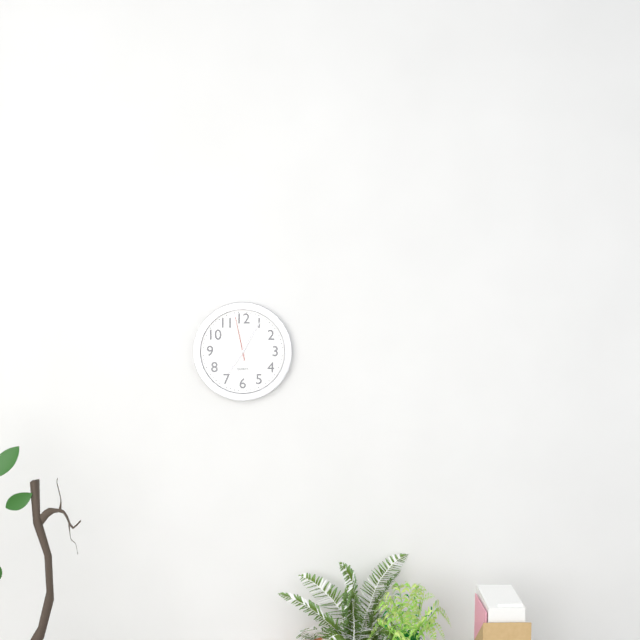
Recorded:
7.05
